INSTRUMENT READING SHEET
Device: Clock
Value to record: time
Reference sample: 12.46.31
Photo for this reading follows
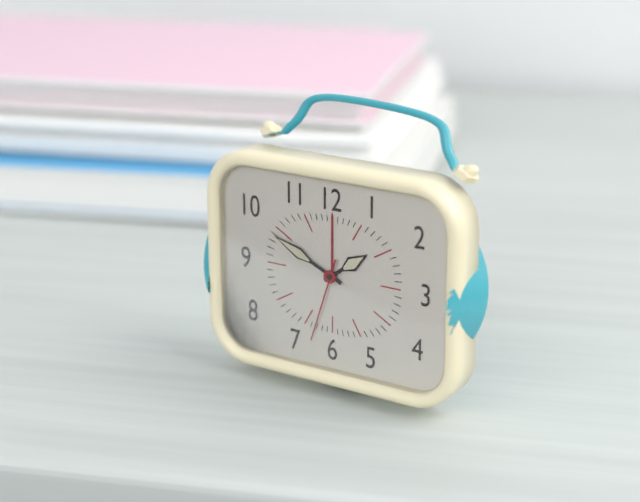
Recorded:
1.49.33
